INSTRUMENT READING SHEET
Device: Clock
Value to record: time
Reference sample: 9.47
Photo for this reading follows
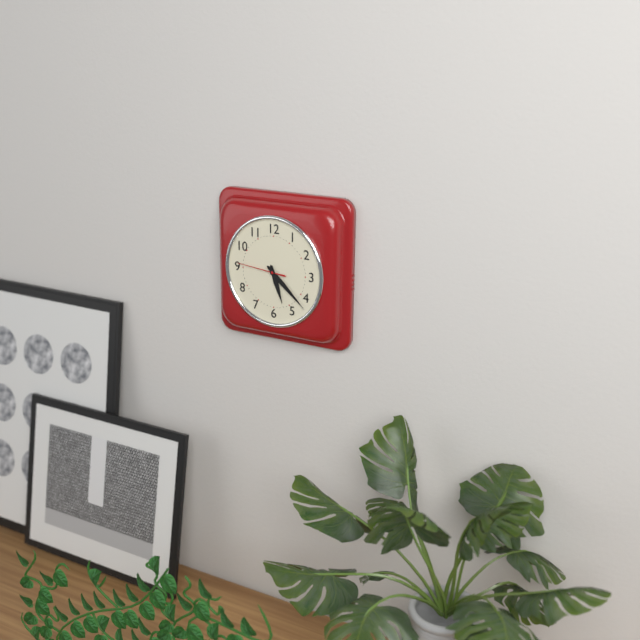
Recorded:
5.22
